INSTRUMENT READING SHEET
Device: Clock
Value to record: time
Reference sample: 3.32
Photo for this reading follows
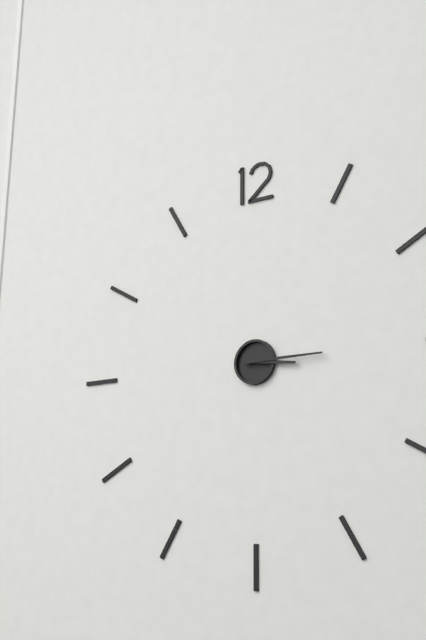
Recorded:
3.15
